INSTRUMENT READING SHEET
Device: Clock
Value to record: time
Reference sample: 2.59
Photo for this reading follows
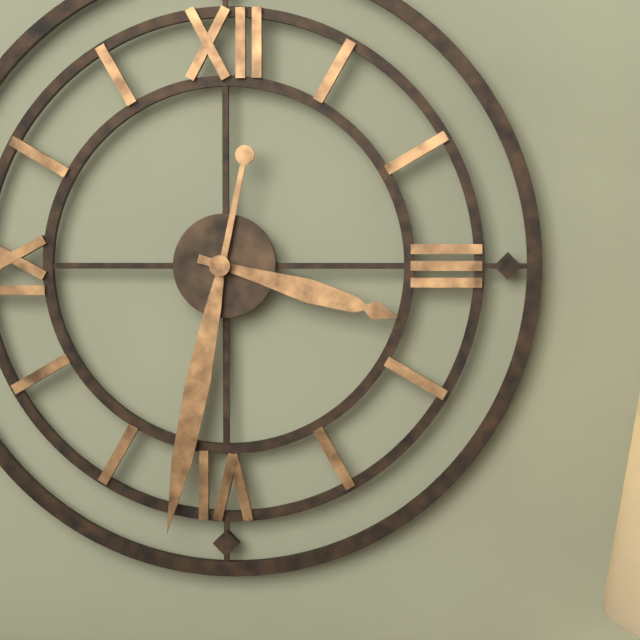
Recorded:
3.32
